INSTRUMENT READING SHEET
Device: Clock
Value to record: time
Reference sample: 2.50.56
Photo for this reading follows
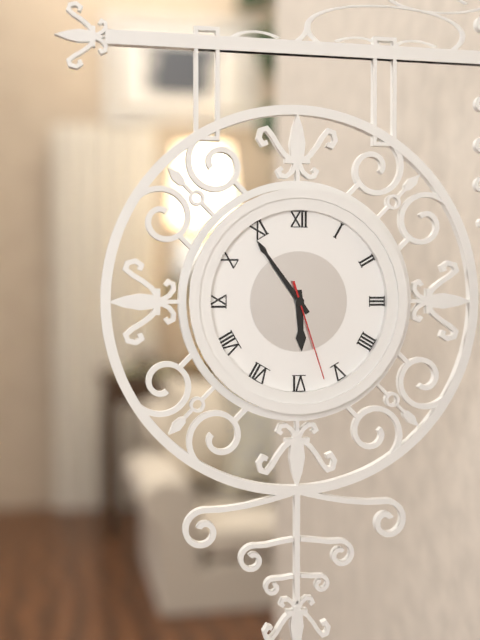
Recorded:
5.54.27
